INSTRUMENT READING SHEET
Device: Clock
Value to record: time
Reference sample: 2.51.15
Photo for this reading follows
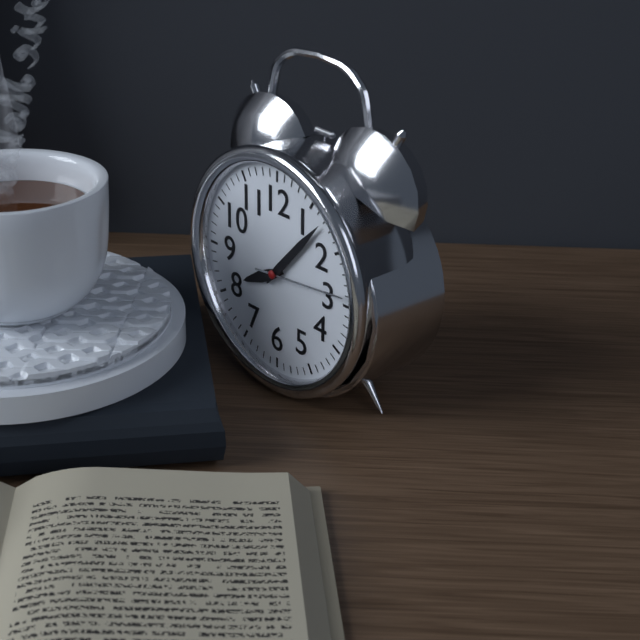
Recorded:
8.07.14
